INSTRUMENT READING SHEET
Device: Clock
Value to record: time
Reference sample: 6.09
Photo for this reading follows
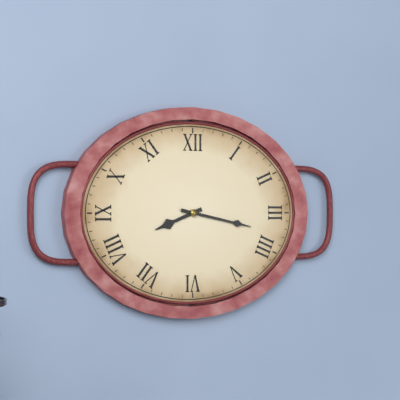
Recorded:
8.17
